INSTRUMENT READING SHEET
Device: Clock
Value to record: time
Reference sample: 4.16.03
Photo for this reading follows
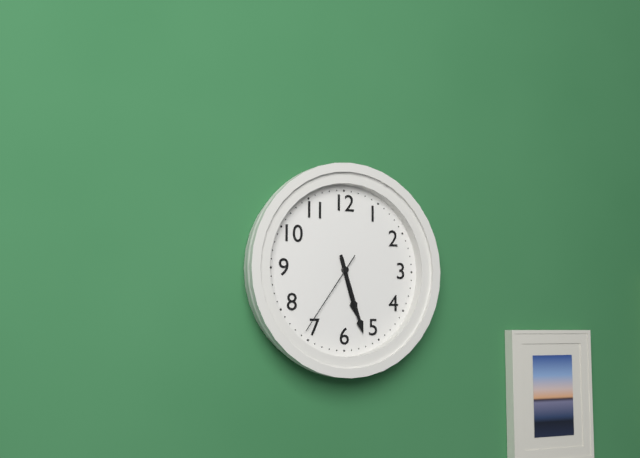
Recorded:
5.27.36
